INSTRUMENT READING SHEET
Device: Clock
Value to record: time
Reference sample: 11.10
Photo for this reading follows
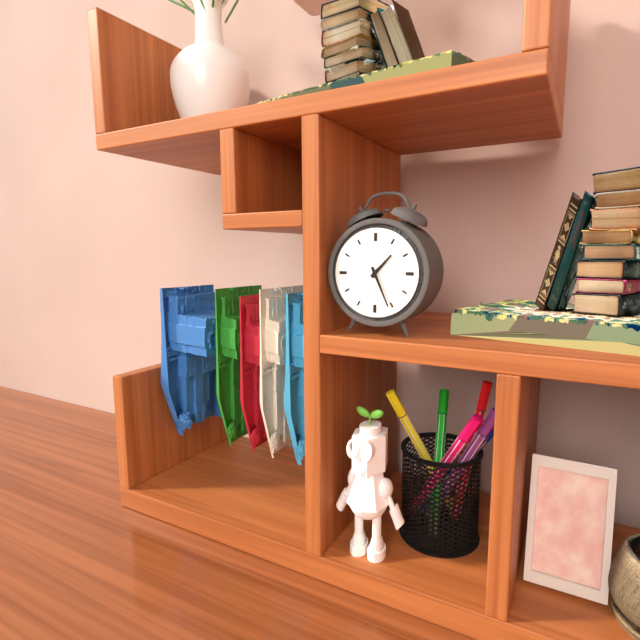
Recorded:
1.26
